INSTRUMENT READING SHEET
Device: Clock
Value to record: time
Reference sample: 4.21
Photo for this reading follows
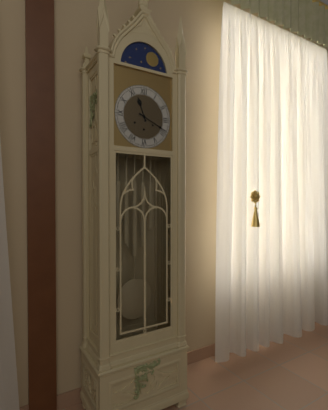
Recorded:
11.19
